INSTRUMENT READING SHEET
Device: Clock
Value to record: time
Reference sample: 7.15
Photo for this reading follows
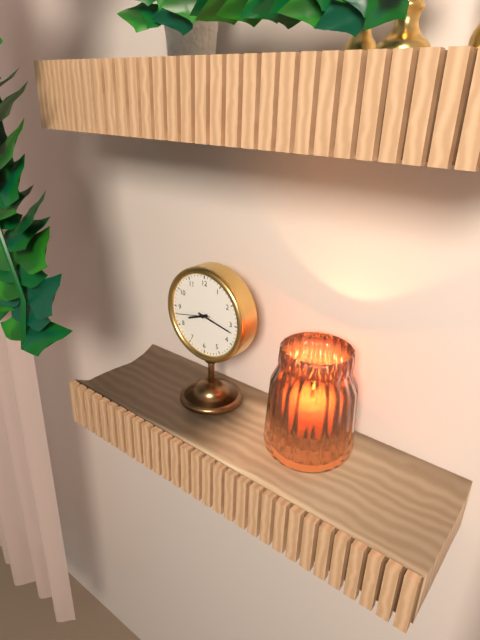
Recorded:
8.17
